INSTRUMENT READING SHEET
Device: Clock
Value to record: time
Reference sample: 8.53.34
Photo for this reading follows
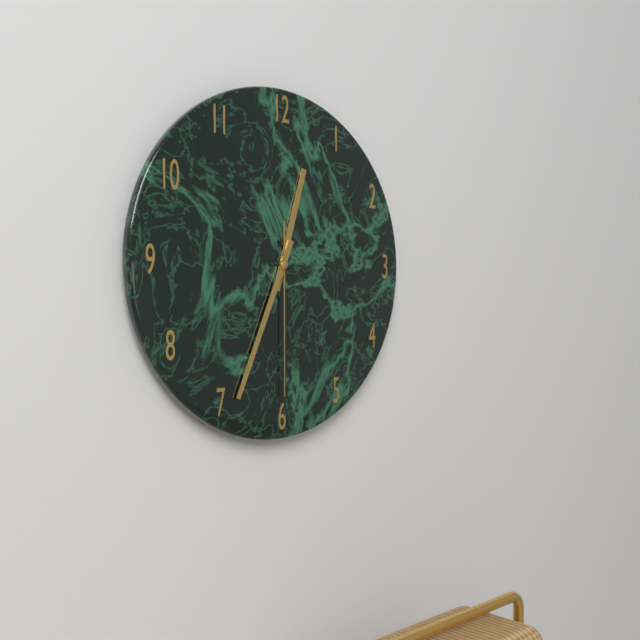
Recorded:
12.34.30
